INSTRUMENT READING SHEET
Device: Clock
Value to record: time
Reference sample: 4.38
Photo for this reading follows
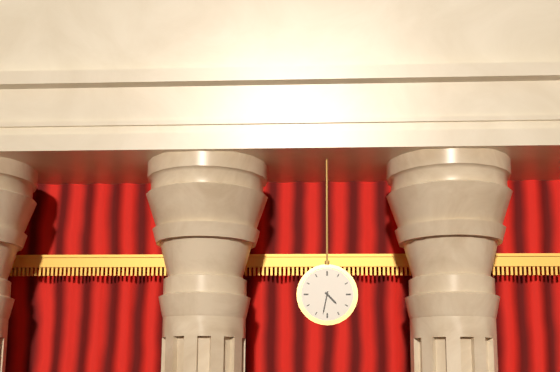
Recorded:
4.32
